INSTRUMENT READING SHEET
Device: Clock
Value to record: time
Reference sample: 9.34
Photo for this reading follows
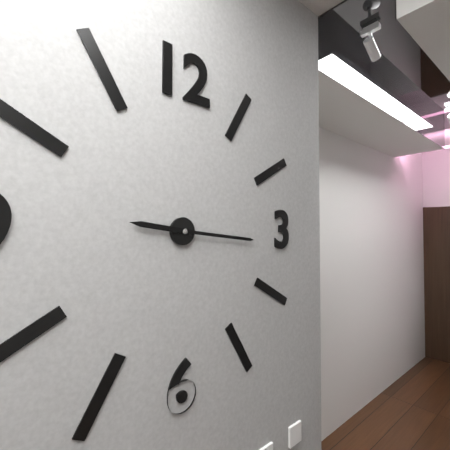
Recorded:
9.16
